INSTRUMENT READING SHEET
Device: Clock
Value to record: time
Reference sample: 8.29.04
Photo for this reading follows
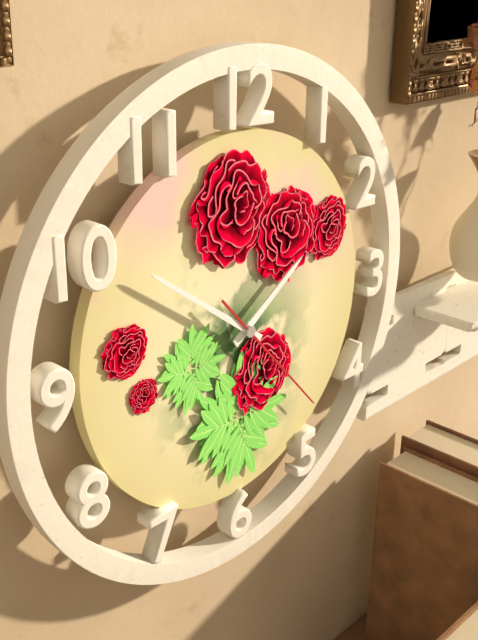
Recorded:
1.51.23
